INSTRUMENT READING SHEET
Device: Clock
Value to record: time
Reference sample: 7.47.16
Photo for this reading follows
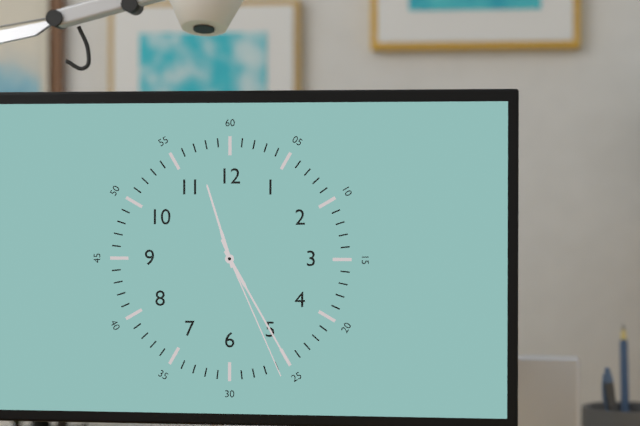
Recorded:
11.25.26
